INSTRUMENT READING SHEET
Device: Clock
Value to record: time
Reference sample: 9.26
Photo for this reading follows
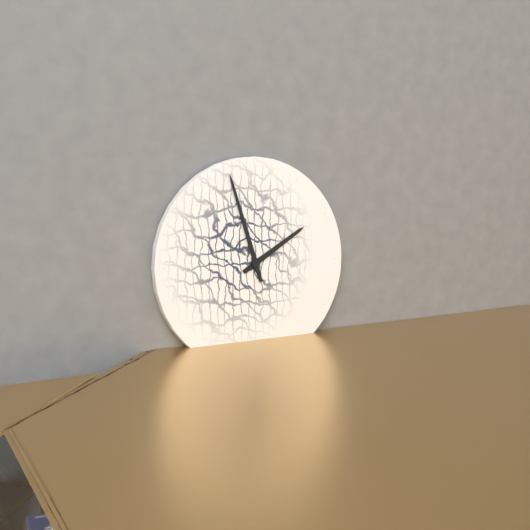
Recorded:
1.57
